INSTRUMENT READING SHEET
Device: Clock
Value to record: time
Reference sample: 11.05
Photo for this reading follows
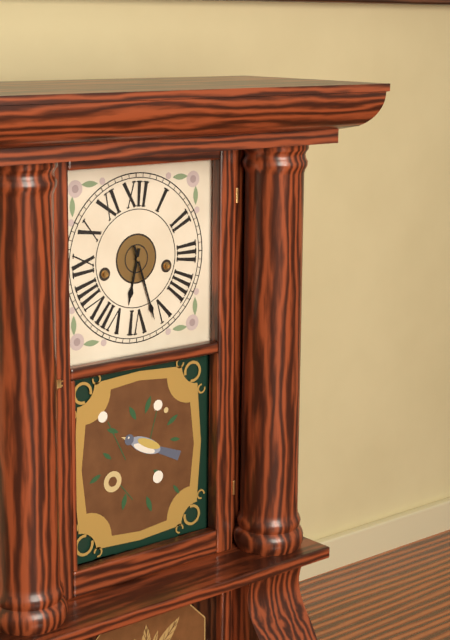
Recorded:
6.27
